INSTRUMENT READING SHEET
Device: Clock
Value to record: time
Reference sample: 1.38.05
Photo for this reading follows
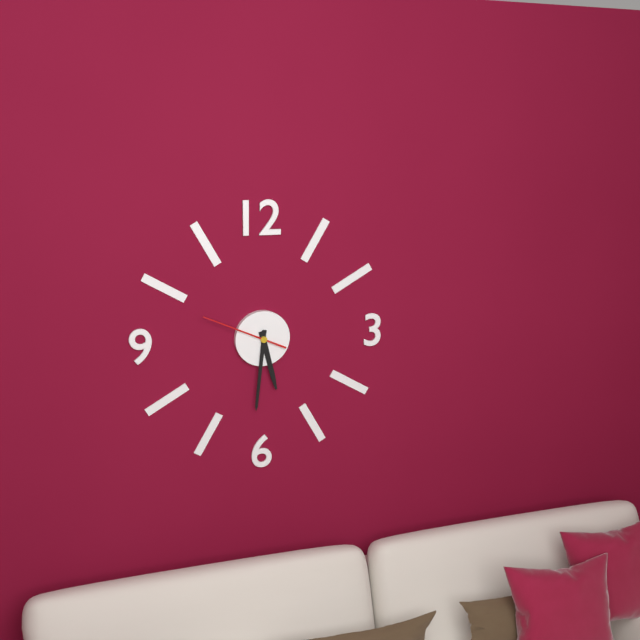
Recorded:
5.31.49
